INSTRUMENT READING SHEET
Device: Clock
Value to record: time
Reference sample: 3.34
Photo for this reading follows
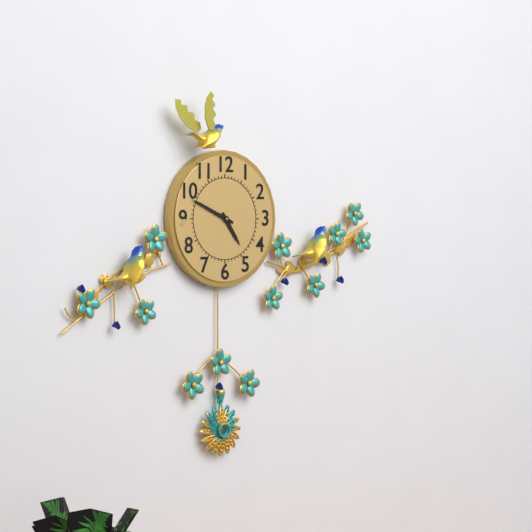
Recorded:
4.49
